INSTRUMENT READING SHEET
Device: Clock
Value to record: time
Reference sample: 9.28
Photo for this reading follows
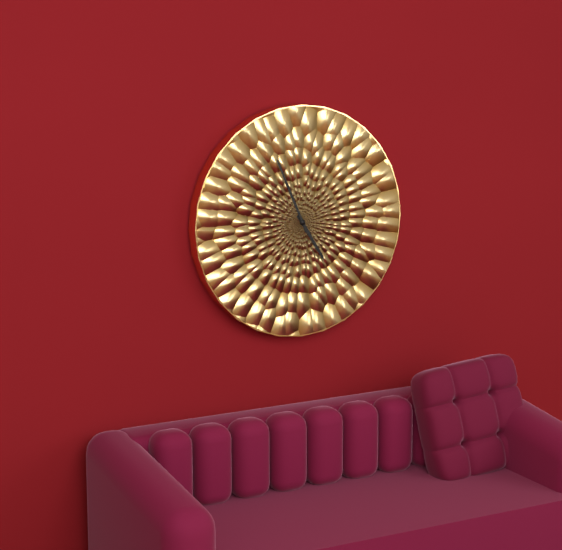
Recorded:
4.56
